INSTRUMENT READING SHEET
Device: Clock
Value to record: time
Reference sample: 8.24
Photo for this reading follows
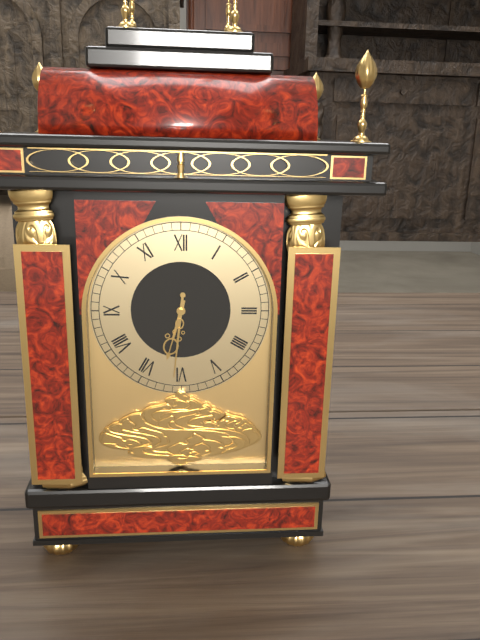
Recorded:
6.31
